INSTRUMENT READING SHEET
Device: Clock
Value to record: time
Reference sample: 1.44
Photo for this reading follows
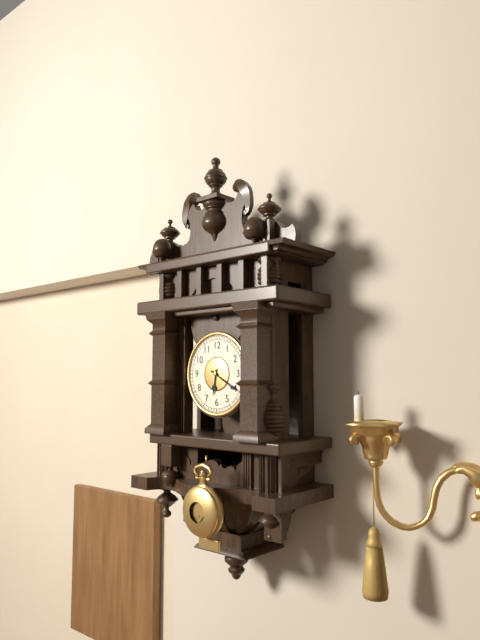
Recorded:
6.20
